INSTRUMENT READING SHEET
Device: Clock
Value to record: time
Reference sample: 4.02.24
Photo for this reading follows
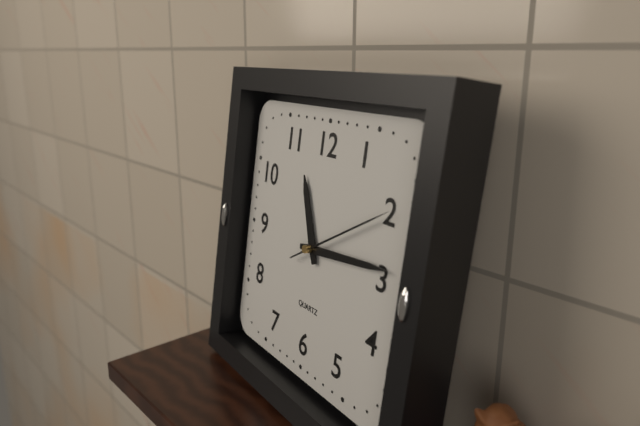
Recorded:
11.14.10
